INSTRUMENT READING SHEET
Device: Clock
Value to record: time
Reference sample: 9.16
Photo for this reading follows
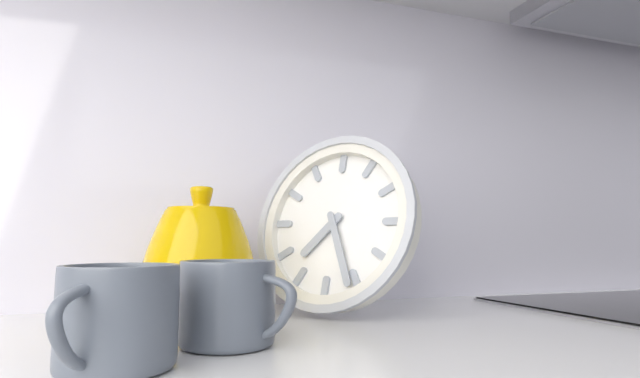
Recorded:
7.26
